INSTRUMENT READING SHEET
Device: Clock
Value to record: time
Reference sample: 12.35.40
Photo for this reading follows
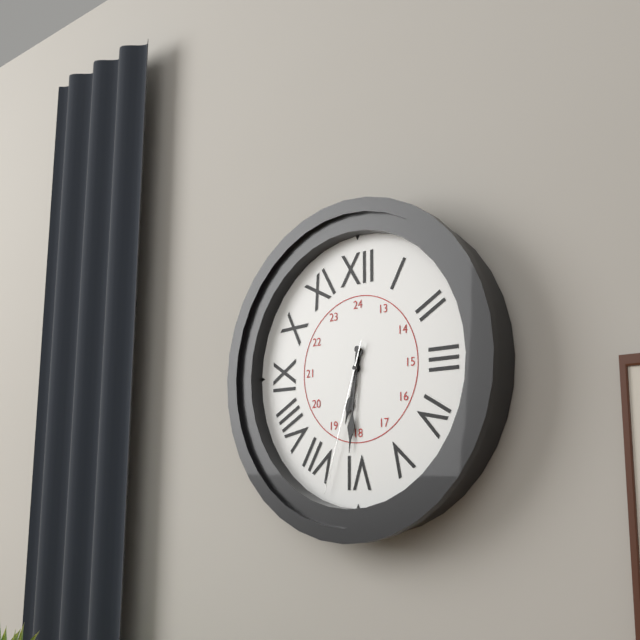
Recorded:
6.31.33
